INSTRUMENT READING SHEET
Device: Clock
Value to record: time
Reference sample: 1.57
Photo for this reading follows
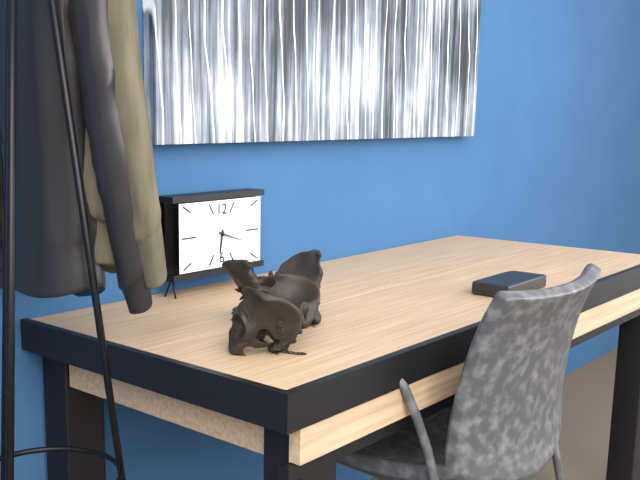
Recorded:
6.18
